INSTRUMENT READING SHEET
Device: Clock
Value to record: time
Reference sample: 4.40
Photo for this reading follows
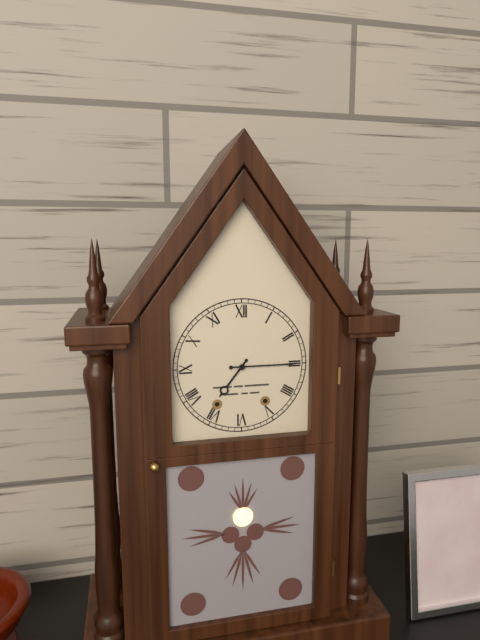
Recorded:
7.15
